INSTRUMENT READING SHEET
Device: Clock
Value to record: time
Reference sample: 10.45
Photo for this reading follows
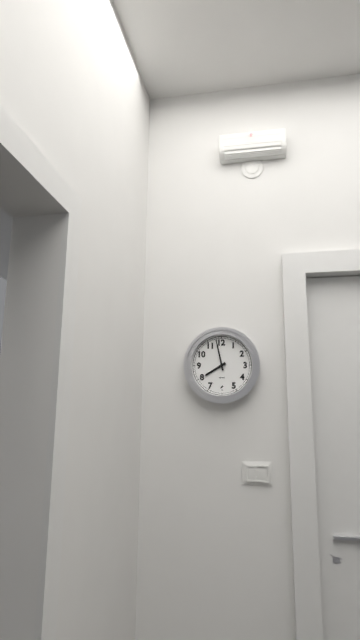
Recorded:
7.58
